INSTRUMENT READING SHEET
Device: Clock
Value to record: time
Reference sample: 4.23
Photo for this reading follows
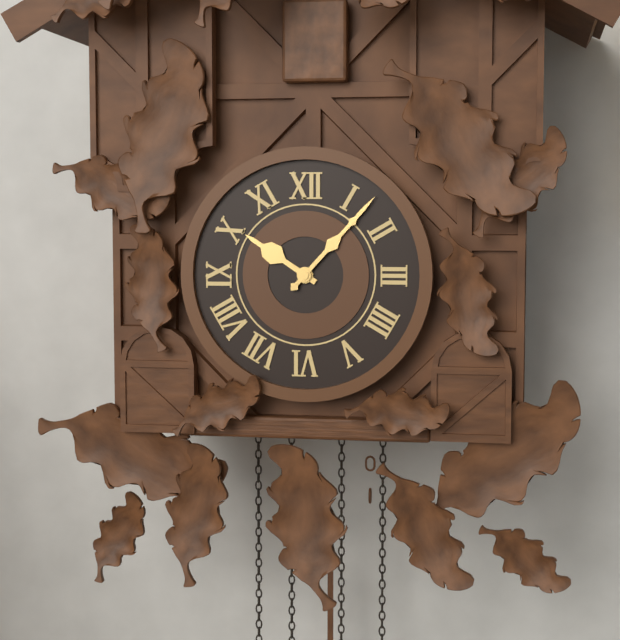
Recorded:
10.07
